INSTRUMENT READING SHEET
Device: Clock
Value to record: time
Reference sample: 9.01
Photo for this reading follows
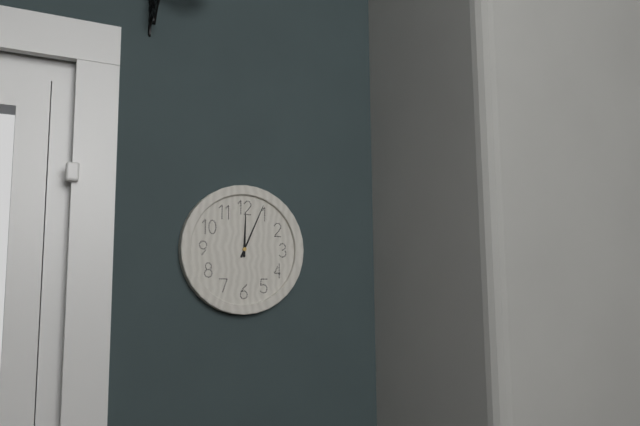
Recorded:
12.04
